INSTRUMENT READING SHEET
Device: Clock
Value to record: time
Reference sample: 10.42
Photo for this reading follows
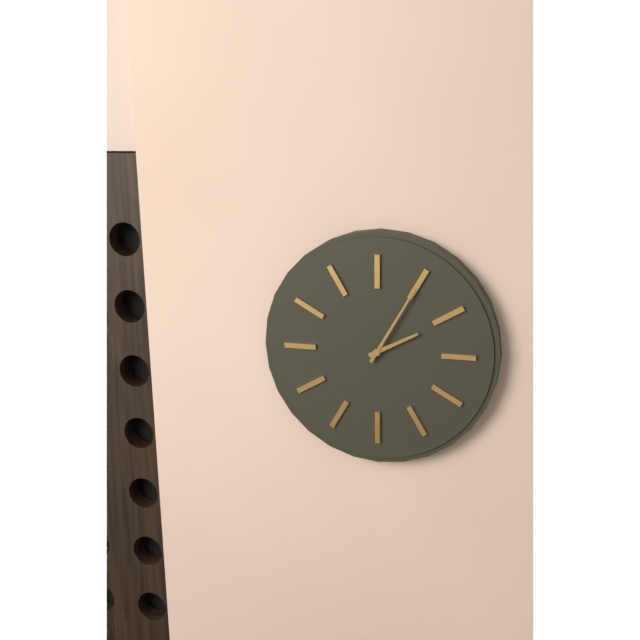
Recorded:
2.05
